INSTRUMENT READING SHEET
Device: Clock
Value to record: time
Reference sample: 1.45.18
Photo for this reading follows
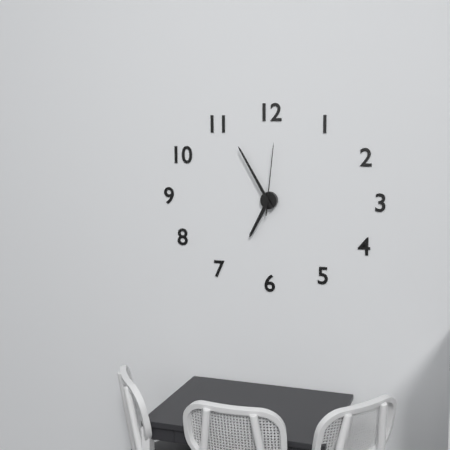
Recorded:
6.55.01
